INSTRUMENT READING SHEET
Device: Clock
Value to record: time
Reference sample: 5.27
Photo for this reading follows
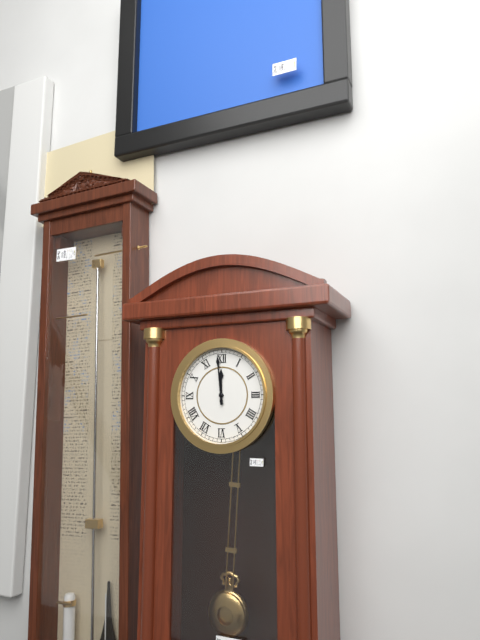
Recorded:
11.59
